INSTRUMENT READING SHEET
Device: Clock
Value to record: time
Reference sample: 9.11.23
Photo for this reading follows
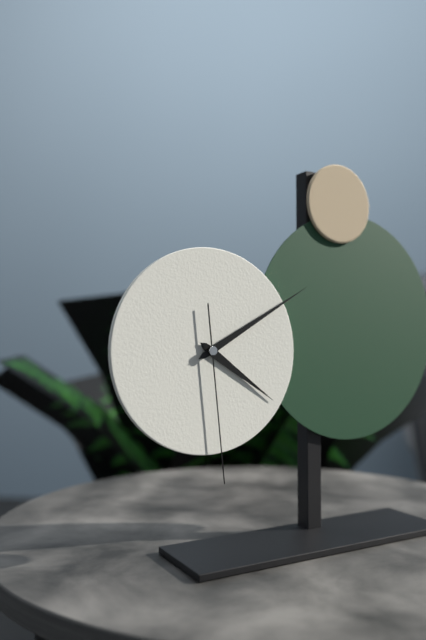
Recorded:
4.10.29
